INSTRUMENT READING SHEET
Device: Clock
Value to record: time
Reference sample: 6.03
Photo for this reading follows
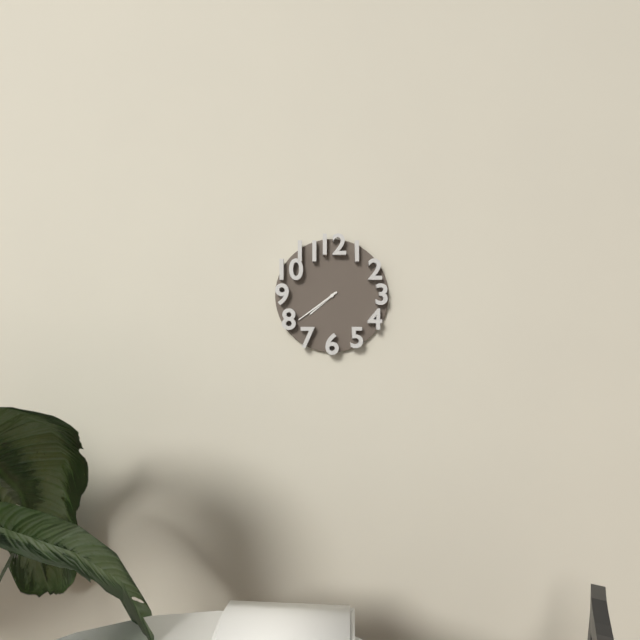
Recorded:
7.39
